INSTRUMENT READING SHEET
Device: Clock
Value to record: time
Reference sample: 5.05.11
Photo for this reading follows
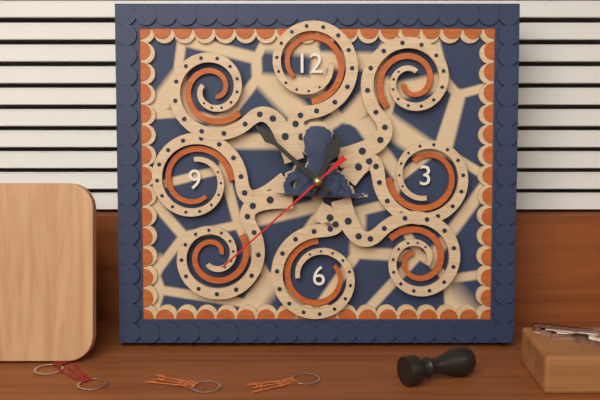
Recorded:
12.52.38
